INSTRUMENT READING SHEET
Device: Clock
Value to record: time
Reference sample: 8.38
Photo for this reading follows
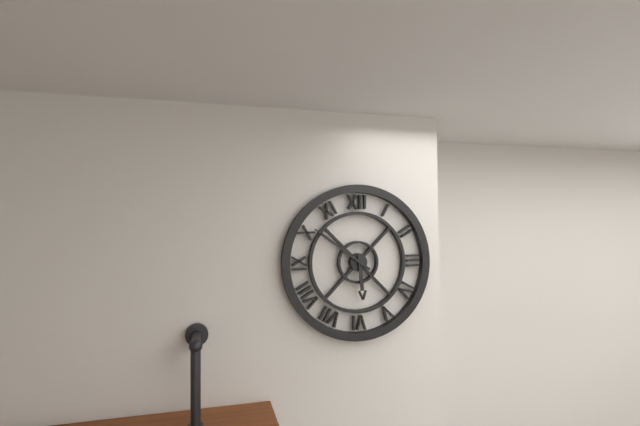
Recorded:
5.51
